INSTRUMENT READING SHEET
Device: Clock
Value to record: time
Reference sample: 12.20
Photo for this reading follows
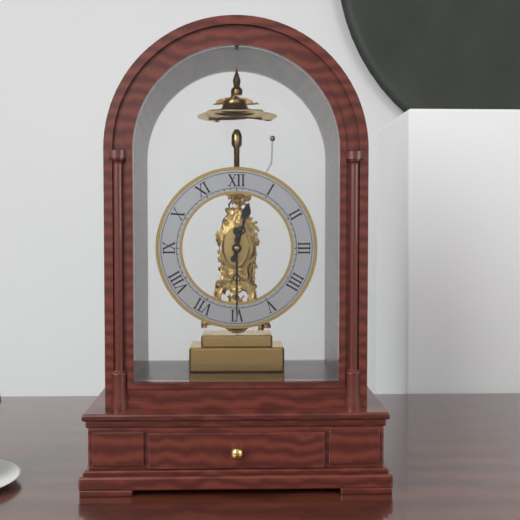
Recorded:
12.30
